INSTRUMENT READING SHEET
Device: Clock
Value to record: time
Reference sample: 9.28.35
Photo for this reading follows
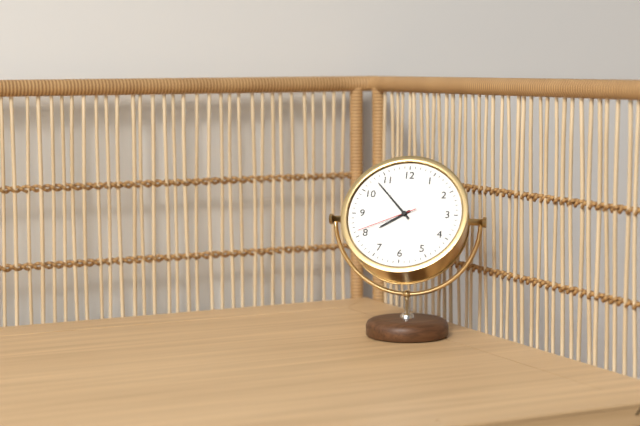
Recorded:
7.53.41
